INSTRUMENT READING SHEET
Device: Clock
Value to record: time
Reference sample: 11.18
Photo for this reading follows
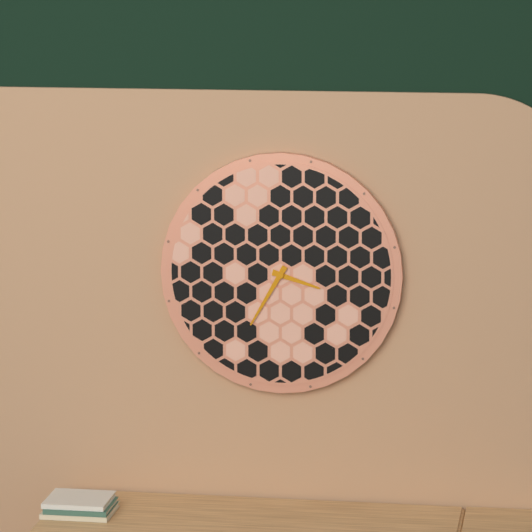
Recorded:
3.35
